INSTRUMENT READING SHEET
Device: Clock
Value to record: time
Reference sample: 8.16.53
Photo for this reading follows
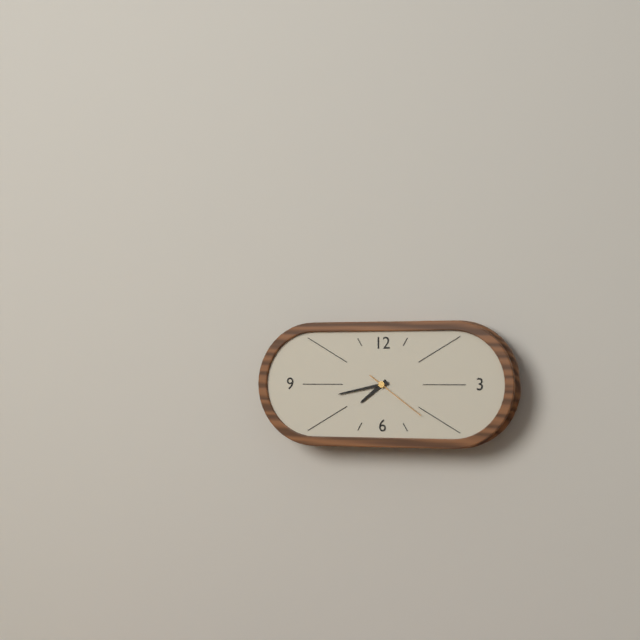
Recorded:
7.43.21
